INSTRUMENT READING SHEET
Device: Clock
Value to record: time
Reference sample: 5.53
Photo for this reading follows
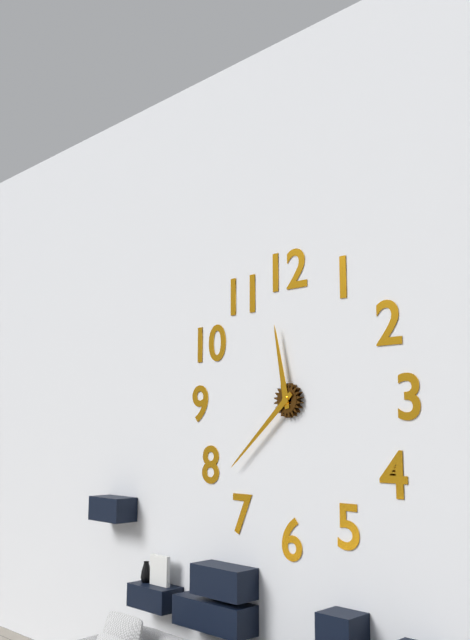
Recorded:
11.38
